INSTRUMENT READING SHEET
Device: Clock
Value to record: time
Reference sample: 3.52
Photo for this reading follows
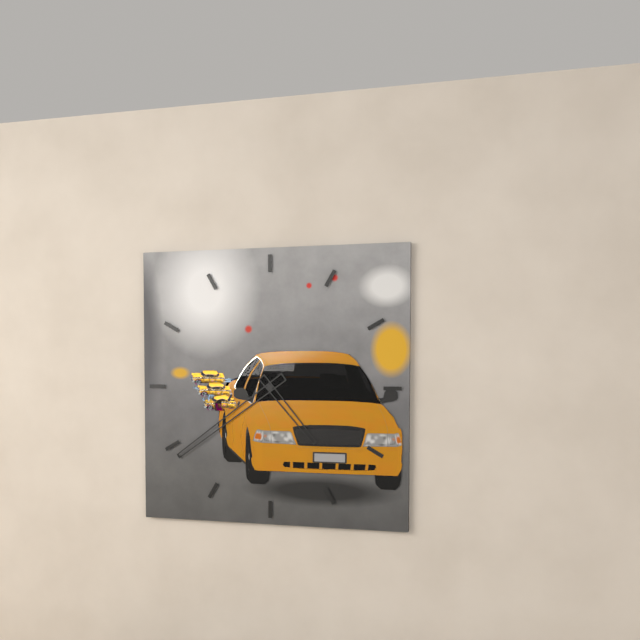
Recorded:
4.39
